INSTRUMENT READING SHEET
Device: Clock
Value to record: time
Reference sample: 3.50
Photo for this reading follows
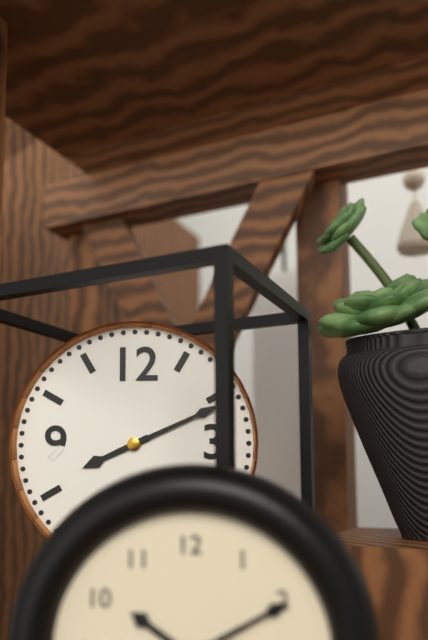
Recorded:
8.11
